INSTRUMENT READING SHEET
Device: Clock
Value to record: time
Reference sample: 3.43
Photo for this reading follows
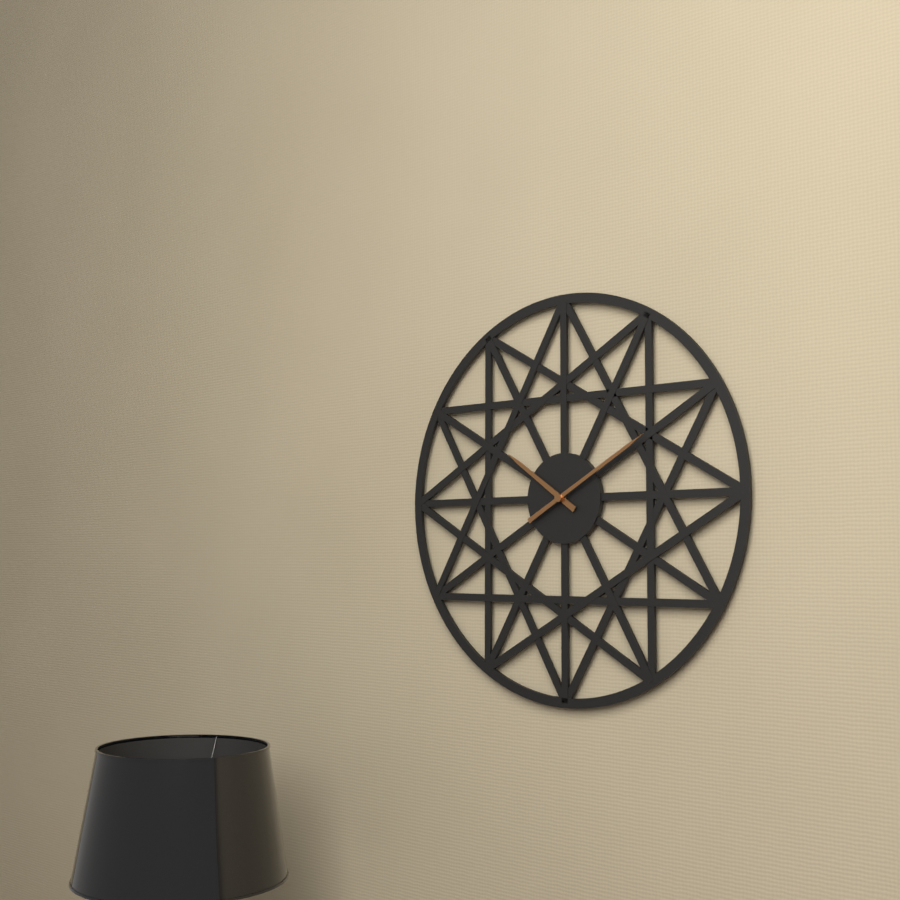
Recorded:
10.10
